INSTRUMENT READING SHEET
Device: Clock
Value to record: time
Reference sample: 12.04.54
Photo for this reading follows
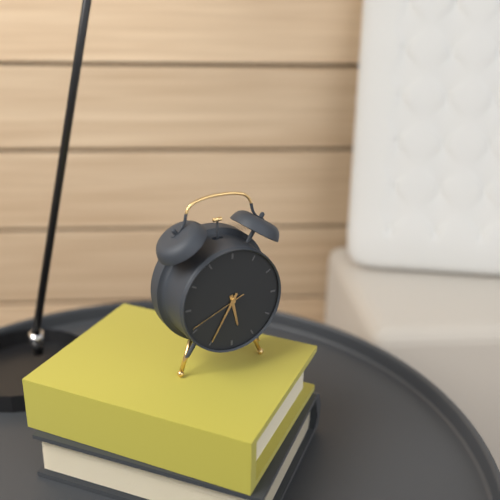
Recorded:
5.35.41
